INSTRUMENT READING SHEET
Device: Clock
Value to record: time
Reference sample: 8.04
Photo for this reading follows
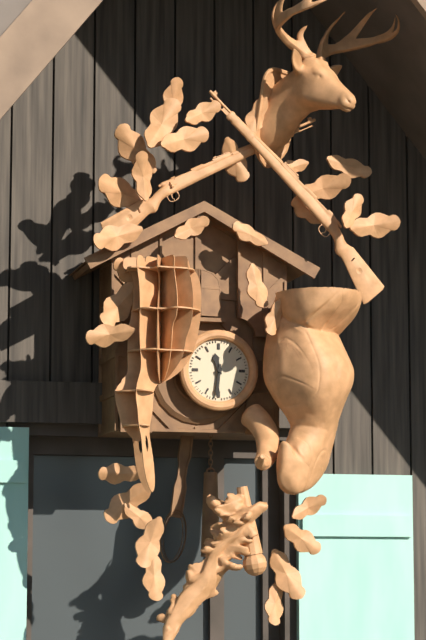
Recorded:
11.31
